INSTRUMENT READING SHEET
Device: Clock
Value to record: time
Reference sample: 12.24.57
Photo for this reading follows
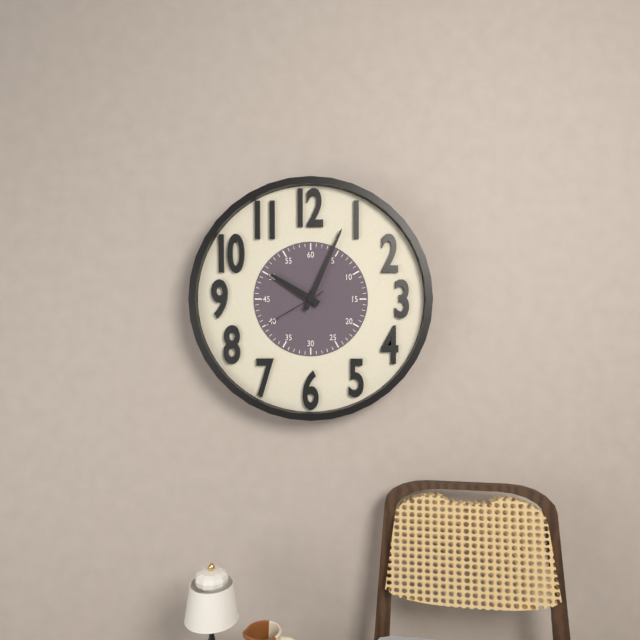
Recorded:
10.04.40
